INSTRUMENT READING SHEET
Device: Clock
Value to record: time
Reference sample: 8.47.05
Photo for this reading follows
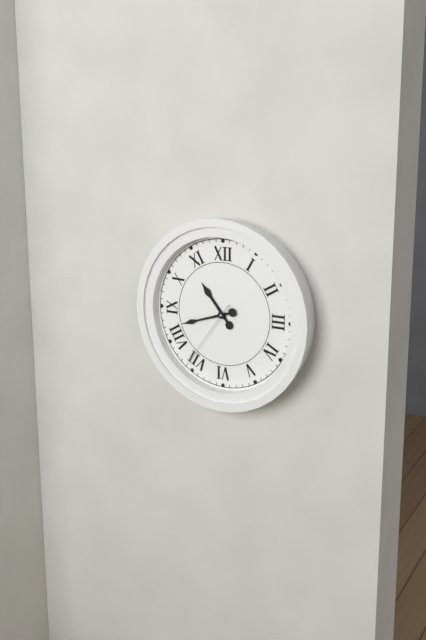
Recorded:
10.42.36
